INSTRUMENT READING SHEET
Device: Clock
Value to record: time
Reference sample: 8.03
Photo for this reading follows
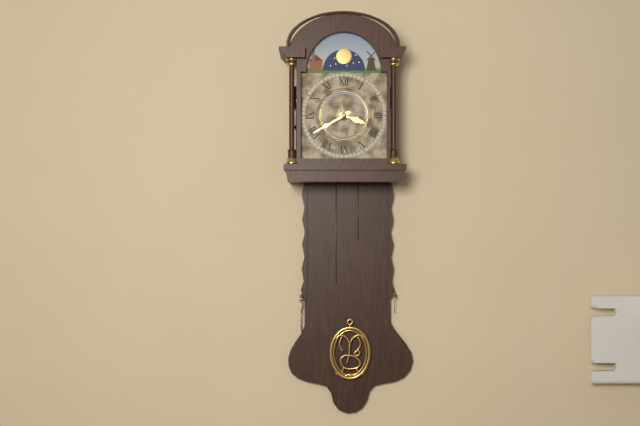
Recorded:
3.40
